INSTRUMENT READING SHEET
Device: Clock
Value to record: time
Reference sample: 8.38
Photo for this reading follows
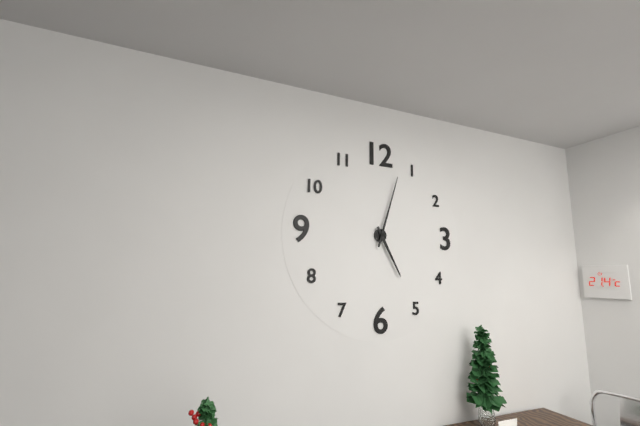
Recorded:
5.03
